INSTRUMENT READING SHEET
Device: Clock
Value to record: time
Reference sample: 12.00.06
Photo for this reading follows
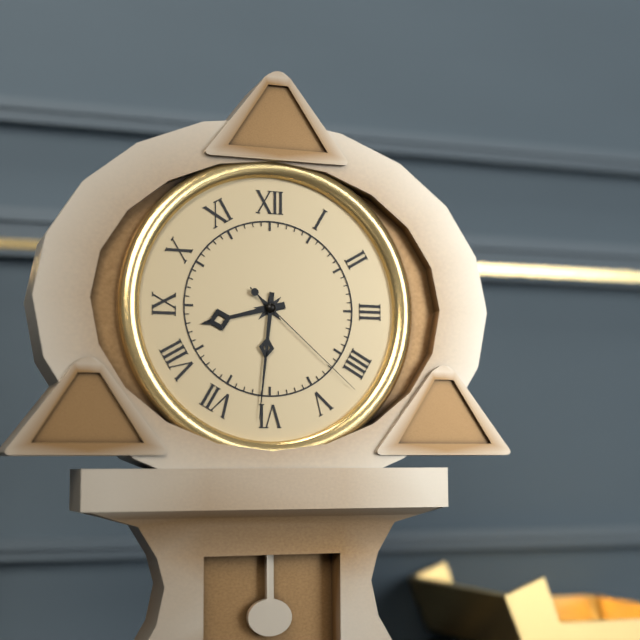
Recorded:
8.31.22
